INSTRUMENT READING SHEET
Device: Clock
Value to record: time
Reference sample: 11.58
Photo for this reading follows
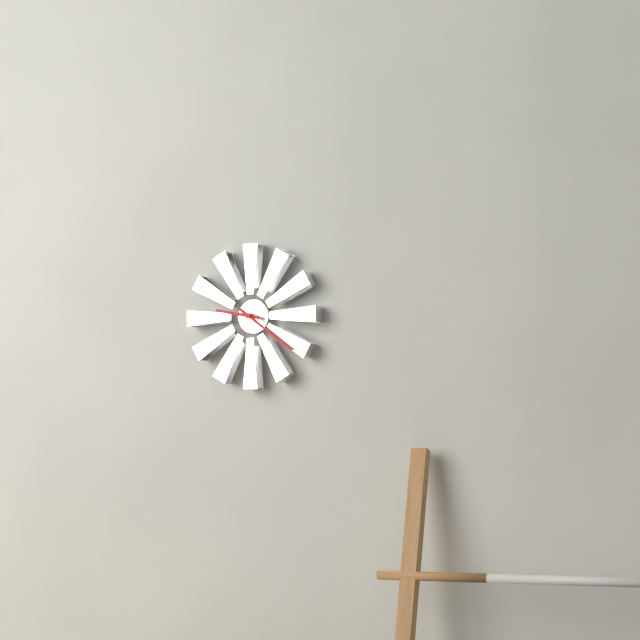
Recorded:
9.21
